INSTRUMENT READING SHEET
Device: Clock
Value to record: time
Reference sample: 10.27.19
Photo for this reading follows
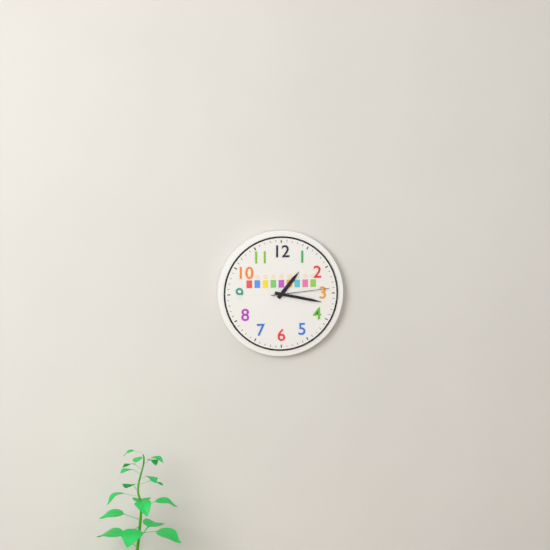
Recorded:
1.17.14
